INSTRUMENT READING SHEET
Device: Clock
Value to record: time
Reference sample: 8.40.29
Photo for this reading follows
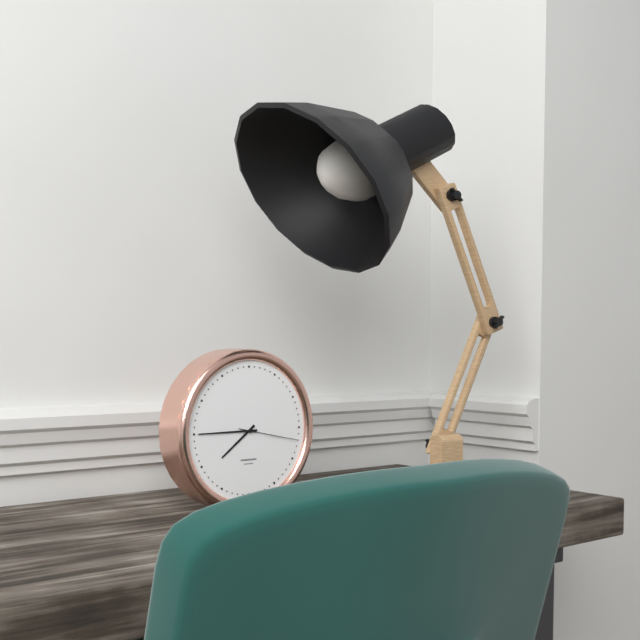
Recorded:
7.45.17
